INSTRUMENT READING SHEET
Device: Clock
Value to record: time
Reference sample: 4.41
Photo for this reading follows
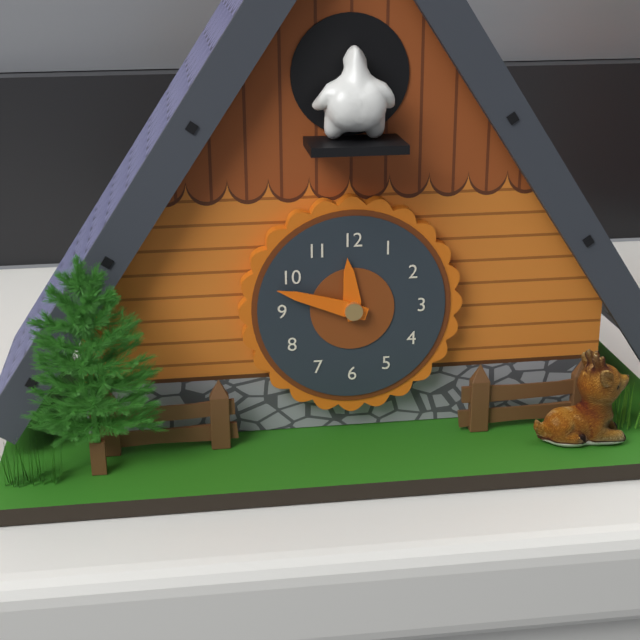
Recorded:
11.48
